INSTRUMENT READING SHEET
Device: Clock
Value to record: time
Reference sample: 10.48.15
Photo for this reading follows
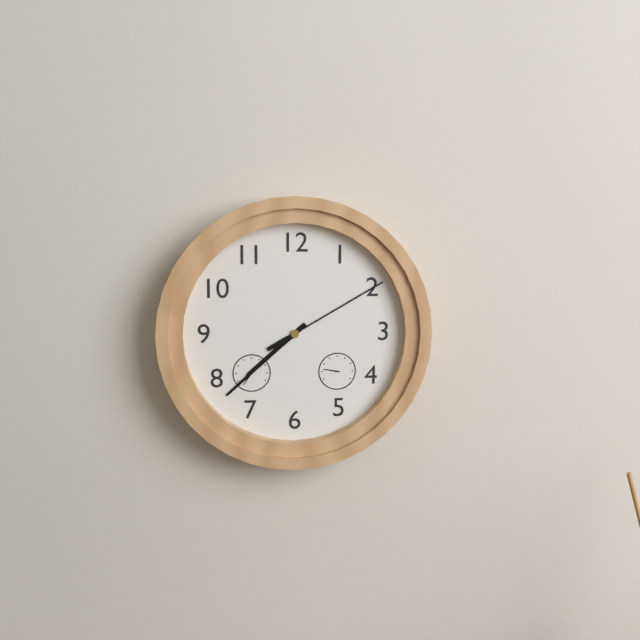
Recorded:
7.38.10
